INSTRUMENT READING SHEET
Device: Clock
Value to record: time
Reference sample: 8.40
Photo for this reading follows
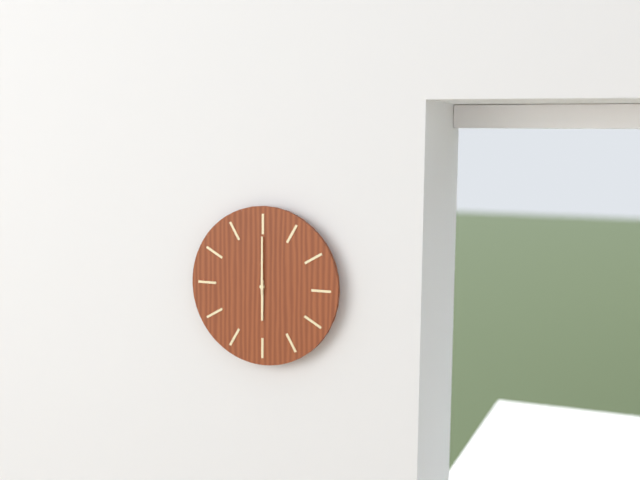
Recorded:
6.00
